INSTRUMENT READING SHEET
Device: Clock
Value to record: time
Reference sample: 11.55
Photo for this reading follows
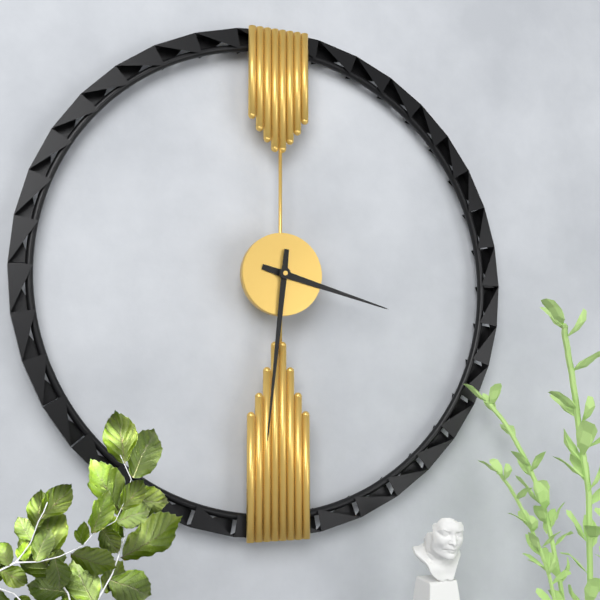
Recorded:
3.31
